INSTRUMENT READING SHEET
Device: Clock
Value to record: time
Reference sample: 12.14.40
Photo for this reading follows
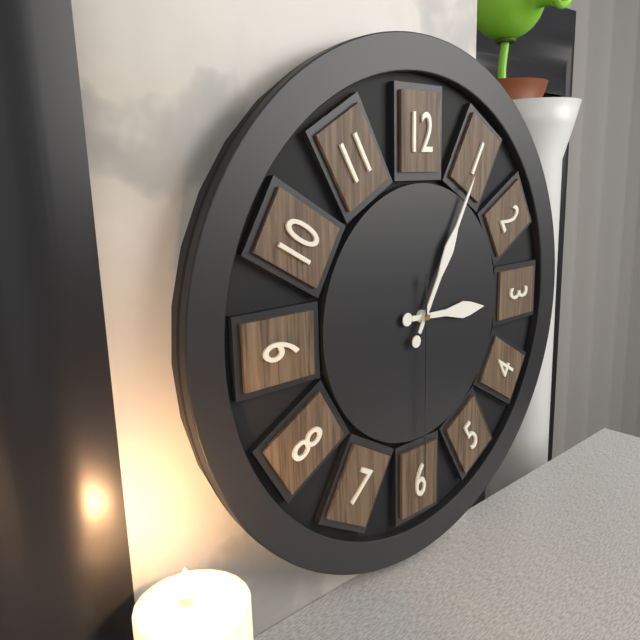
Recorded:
3.05.30
